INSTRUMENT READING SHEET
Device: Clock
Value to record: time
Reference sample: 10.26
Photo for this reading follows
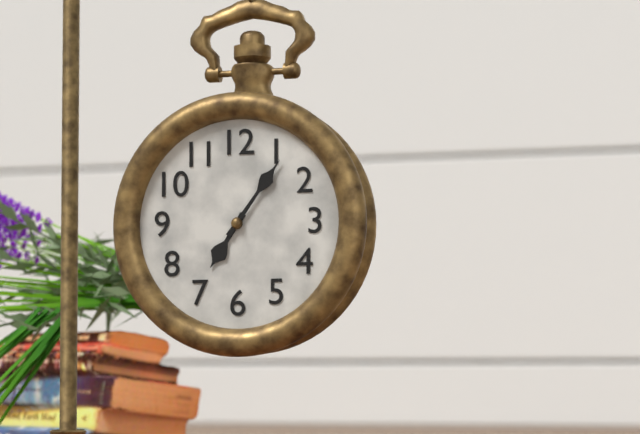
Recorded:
7.06
